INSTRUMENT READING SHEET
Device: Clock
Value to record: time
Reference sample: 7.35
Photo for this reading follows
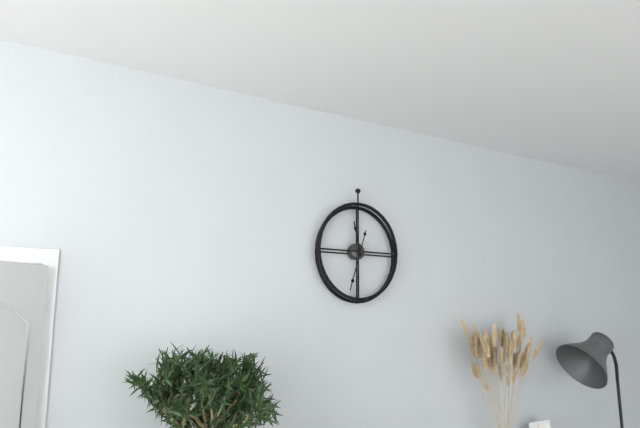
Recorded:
11.33
